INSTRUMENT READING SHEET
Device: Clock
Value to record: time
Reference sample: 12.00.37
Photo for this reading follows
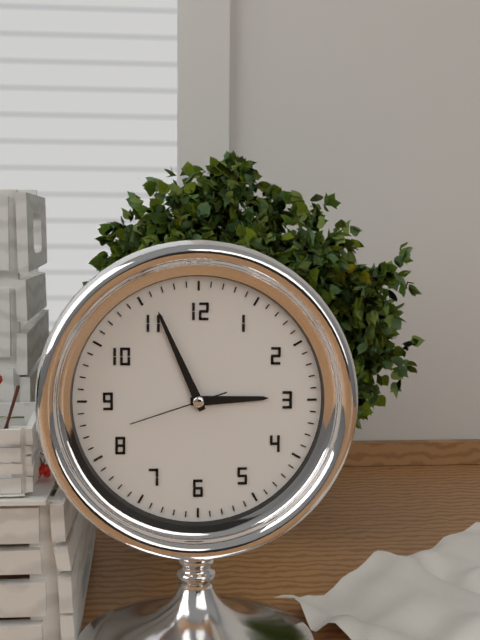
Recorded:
2.56.42
